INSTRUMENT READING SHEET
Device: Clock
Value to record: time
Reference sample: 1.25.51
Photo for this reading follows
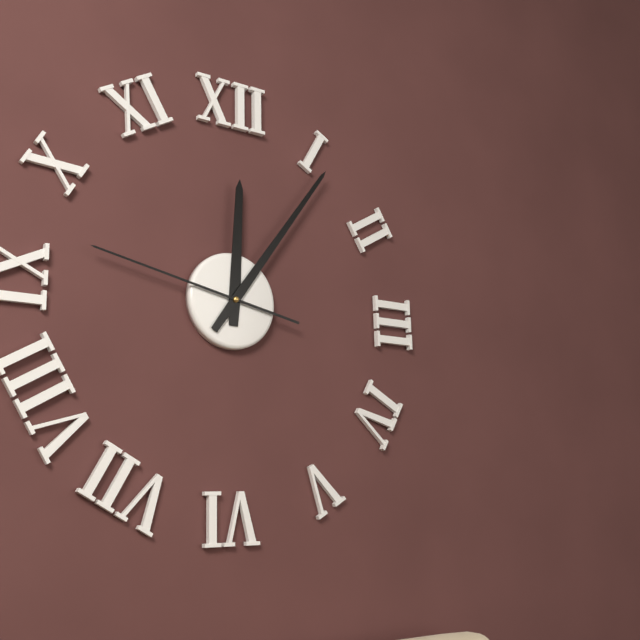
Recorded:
12.06.47
